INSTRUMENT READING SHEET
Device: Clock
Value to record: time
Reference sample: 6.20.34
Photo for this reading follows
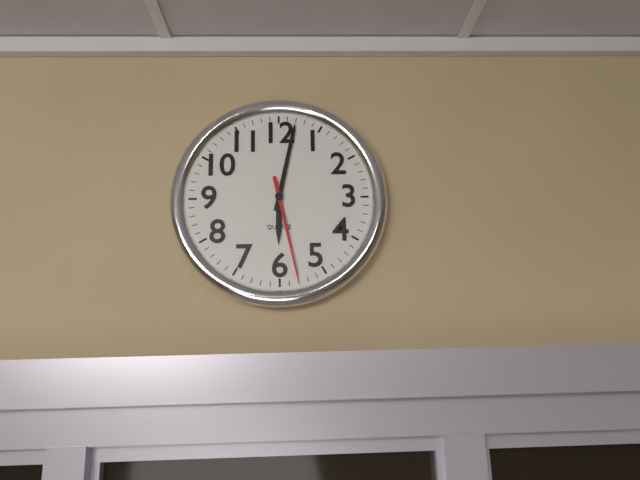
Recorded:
6.02.28
